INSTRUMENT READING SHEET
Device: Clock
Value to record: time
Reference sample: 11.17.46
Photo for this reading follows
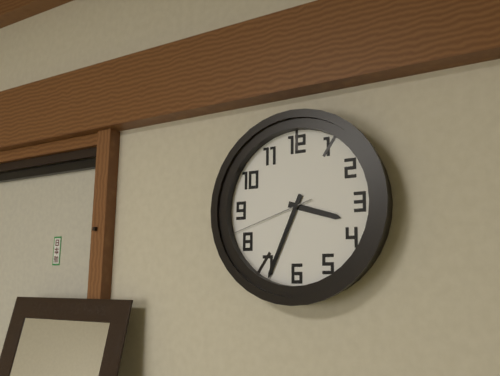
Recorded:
3.34.42
